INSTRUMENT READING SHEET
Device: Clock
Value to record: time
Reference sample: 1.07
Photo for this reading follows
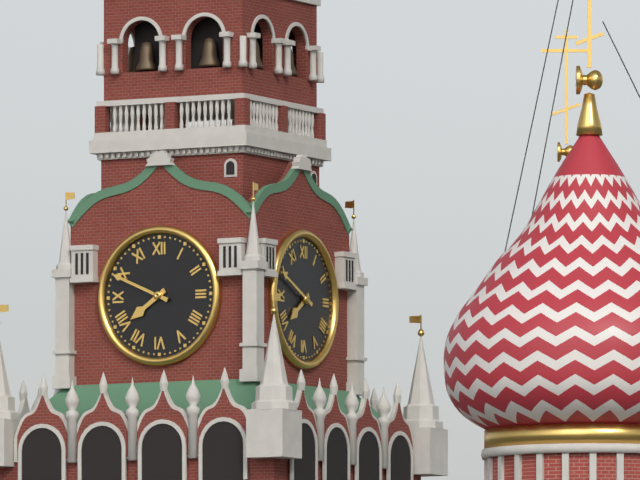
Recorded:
7.49
